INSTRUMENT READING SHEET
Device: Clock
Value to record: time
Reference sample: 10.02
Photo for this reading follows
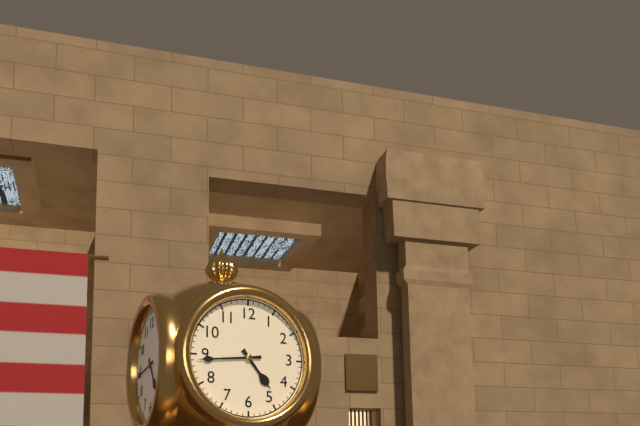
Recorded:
4.44
